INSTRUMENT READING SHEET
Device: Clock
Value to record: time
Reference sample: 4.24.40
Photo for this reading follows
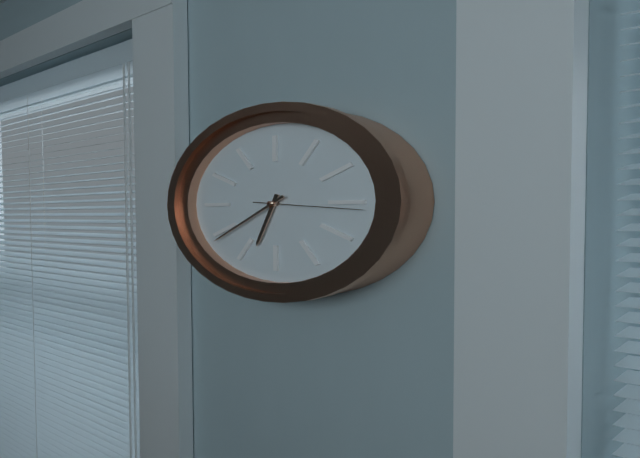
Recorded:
6.39.16
